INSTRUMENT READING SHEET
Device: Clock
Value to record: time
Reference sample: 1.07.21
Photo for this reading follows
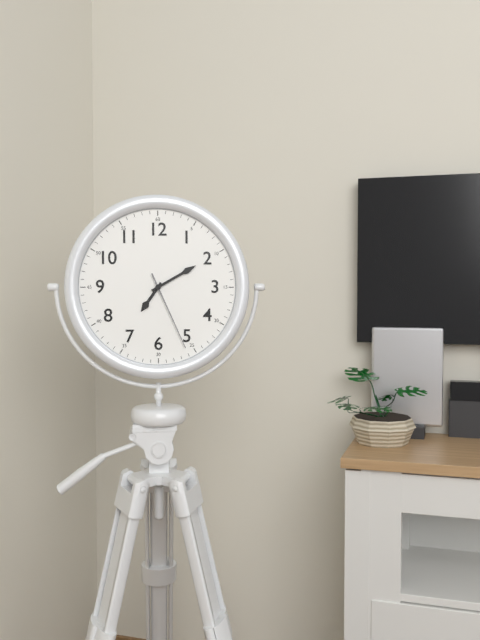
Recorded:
7.10.26
